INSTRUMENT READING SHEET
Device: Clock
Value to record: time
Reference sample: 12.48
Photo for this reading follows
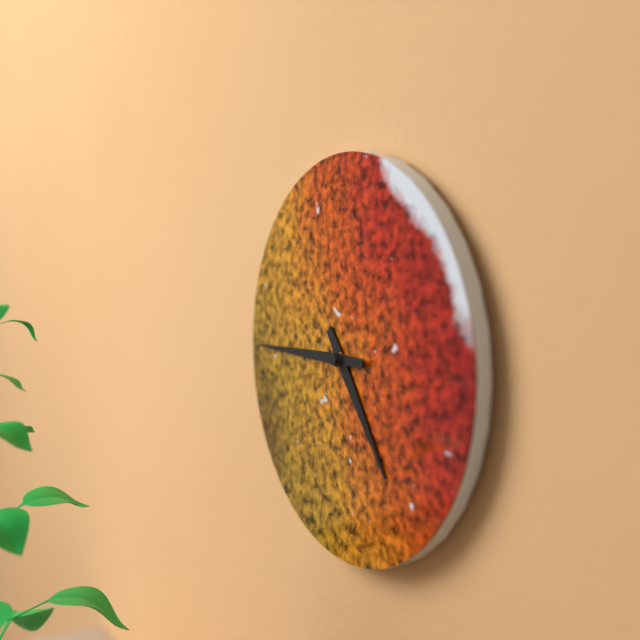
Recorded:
4.45
